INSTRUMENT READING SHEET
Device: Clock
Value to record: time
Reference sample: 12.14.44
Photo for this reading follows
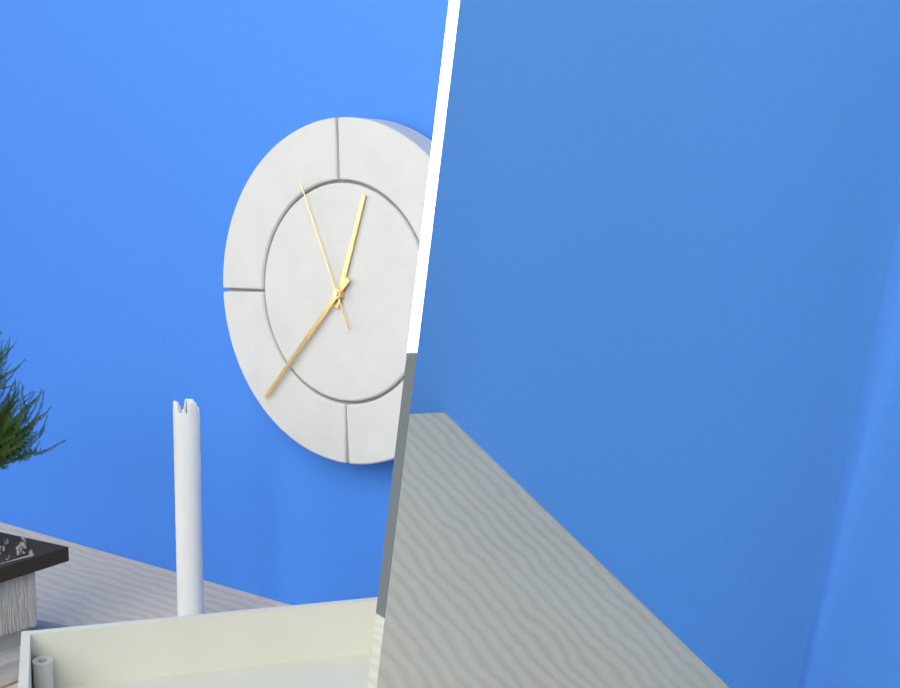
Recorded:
12.37.56
